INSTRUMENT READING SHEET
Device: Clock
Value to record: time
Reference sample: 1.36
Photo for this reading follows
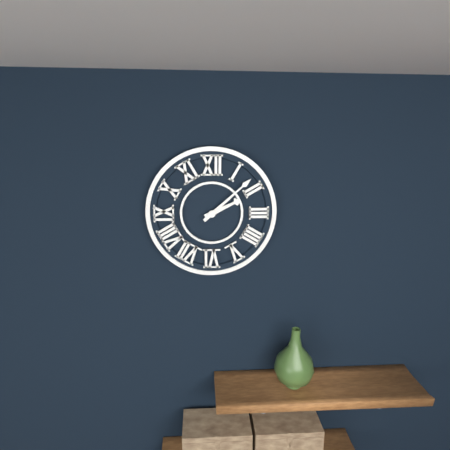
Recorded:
2.08
